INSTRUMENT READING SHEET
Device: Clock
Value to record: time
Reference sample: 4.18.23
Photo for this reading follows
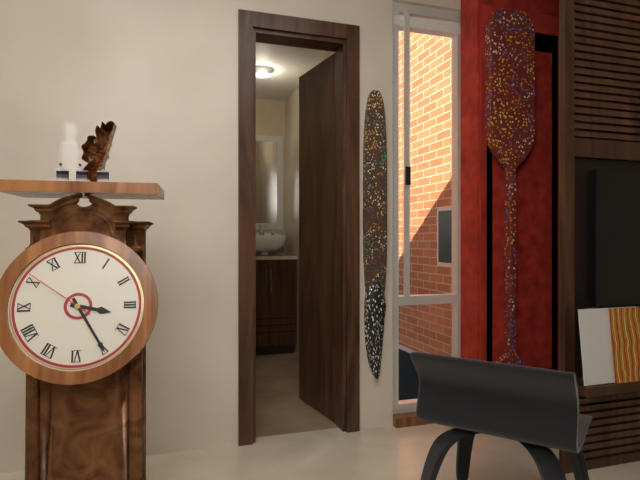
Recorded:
3.25.51
